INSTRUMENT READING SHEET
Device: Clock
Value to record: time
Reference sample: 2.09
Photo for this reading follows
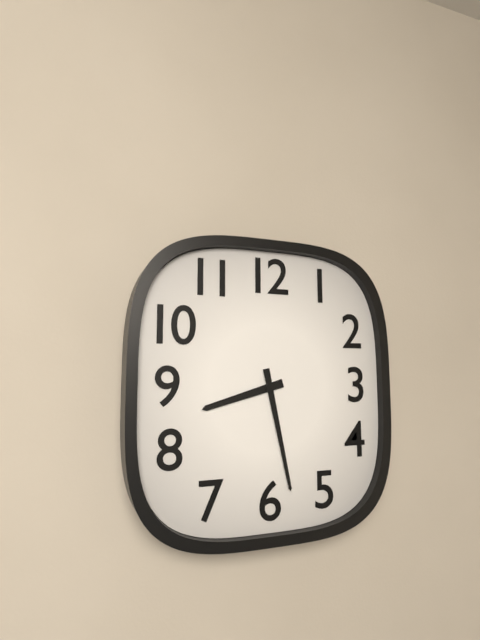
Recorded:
8.28
